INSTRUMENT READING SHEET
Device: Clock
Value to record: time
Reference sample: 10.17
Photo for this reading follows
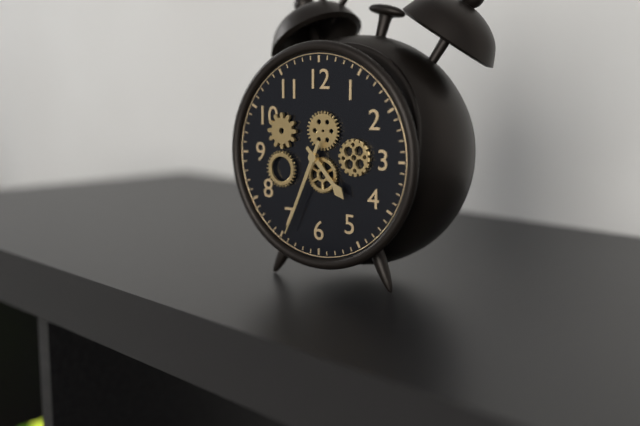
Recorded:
4.34
